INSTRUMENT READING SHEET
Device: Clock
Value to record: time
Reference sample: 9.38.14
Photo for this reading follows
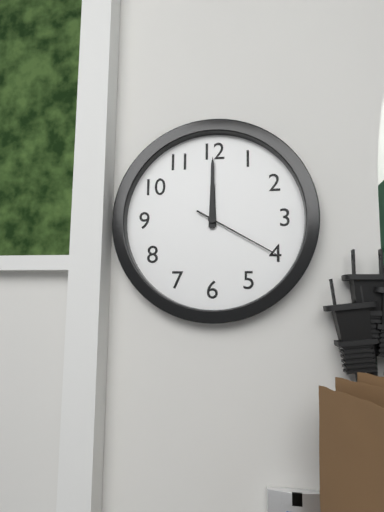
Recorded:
12.00.20
